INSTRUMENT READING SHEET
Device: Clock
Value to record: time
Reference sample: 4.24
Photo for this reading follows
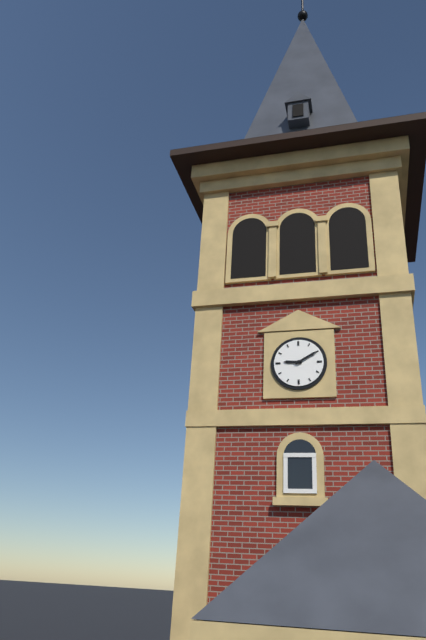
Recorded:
9.10
